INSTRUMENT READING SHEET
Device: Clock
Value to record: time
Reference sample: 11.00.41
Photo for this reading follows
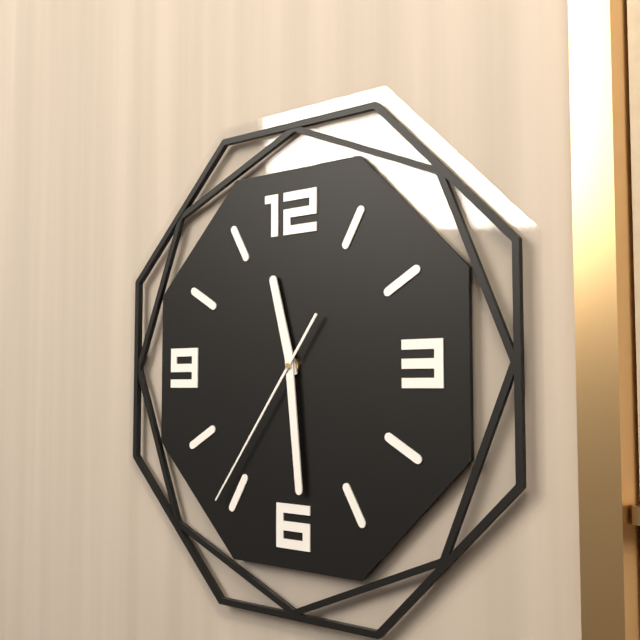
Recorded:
11.29.36
